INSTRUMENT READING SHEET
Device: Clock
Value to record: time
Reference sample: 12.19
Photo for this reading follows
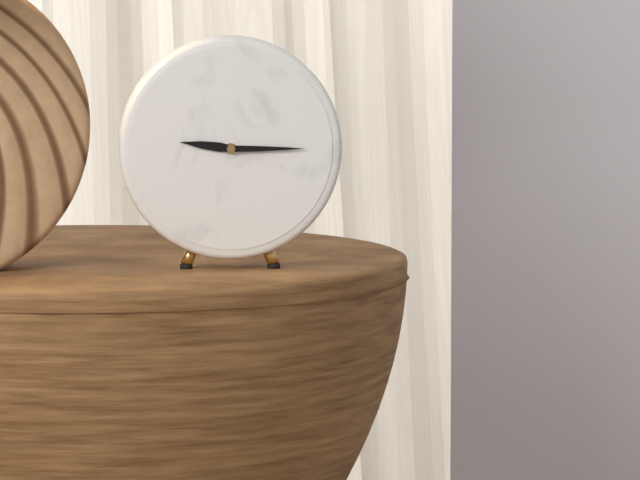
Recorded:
9.15
